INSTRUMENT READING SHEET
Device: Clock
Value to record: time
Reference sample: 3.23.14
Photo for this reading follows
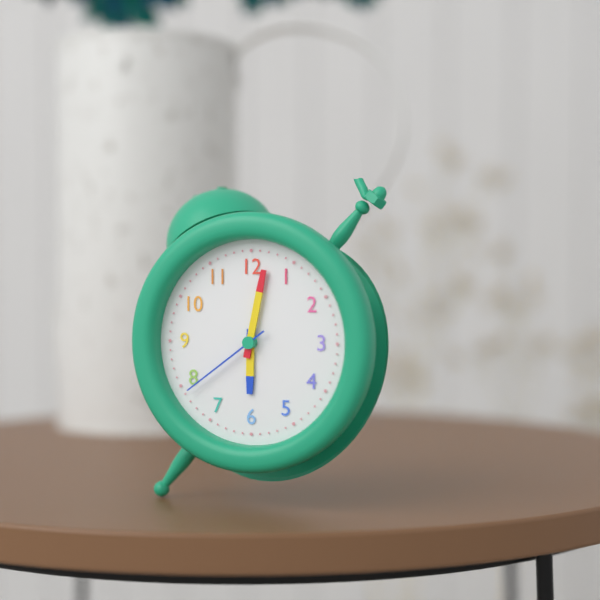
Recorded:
6.02.39
